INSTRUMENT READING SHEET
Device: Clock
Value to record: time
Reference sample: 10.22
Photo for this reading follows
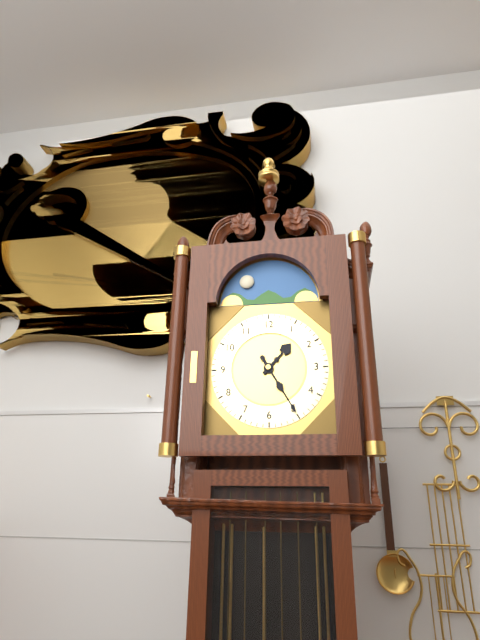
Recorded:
1.25
